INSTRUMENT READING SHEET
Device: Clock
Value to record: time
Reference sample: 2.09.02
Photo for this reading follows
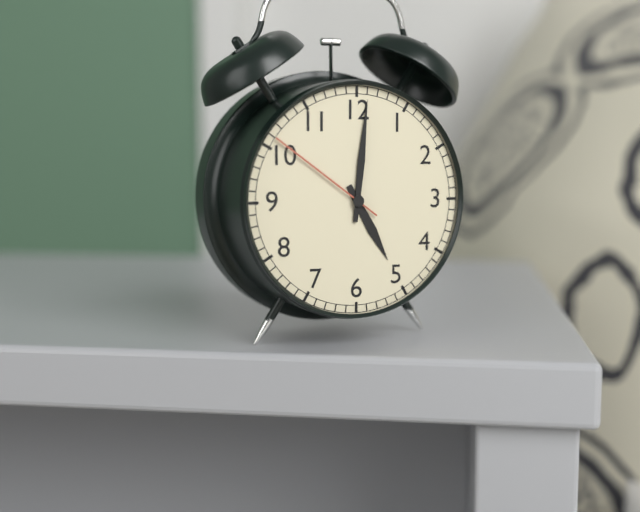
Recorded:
5.01.51
